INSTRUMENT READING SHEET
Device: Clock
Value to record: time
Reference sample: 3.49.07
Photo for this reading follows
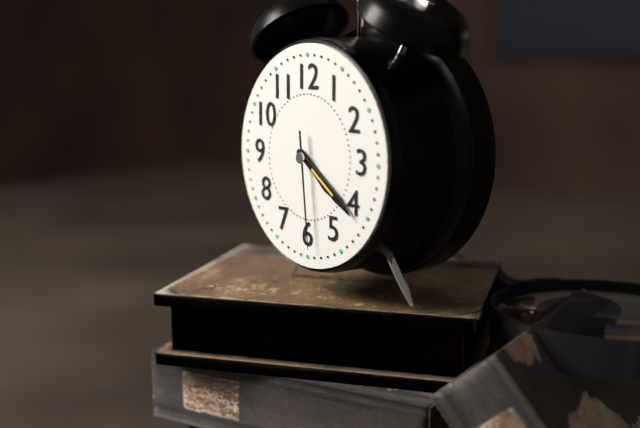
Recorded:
4.21.29
